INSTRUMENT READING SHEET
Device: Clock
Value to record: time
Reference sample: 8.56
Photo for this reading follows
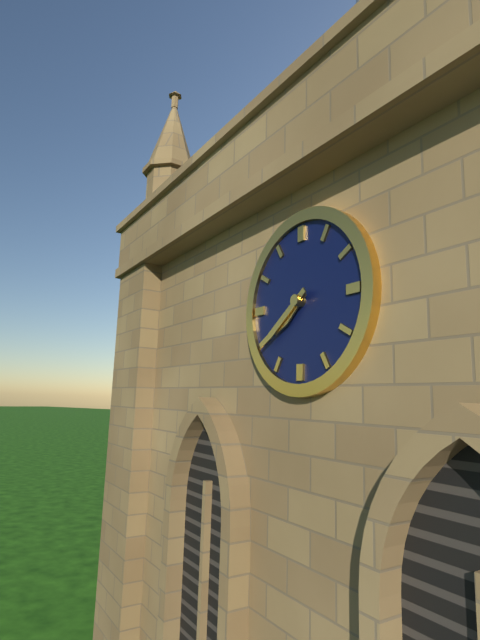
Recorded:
7.39
